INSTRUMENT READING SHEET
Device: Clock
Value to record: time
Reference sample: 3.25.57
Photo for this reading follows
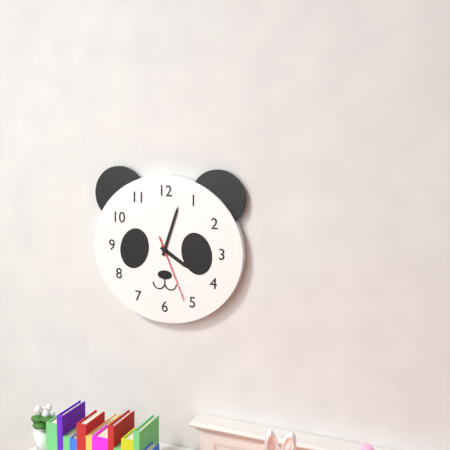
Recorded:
4.03.26
